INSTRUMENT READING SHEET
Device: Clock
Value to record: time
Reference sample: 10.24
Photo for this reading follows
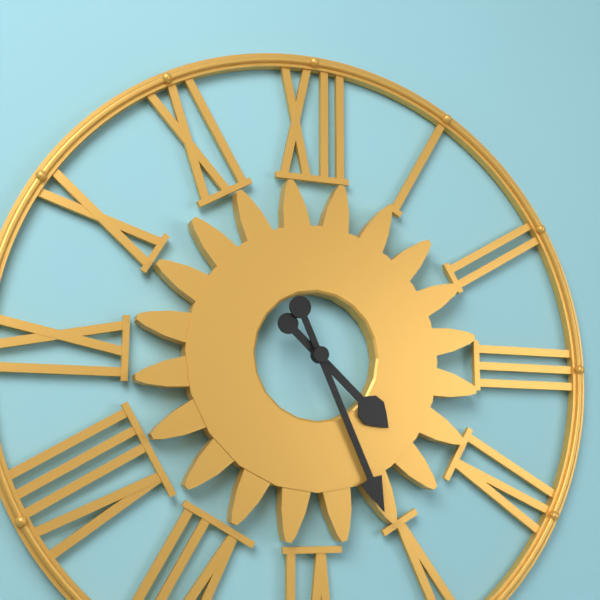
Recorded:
4.26
